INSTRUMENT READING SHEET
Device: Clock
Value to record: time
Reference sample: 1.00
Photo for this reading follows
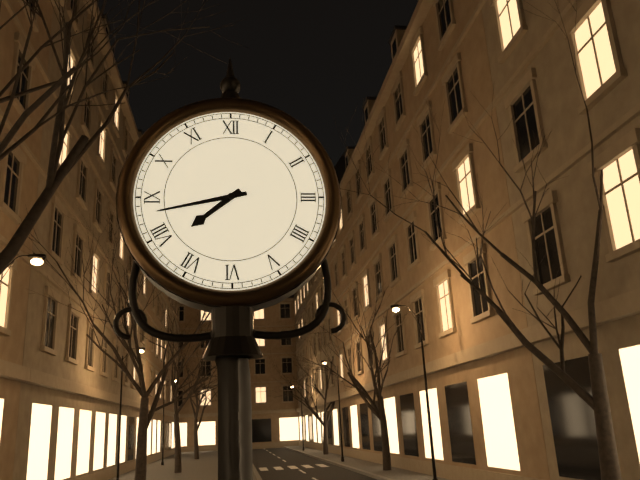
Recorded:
7.43
